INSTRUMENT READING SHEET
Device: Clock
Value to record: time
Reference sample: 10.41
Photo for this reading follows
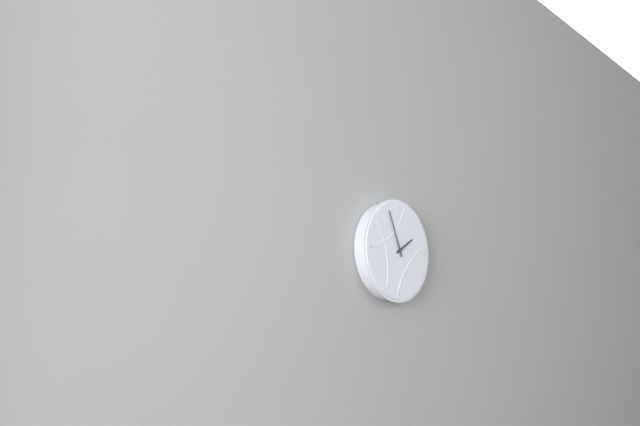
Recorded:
1.56
